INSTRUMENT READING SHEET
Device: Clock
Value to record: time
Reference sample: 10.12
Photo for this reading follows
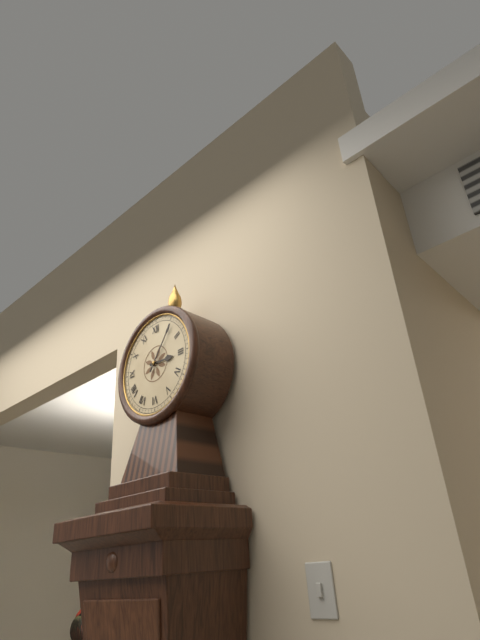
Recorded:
3.06
